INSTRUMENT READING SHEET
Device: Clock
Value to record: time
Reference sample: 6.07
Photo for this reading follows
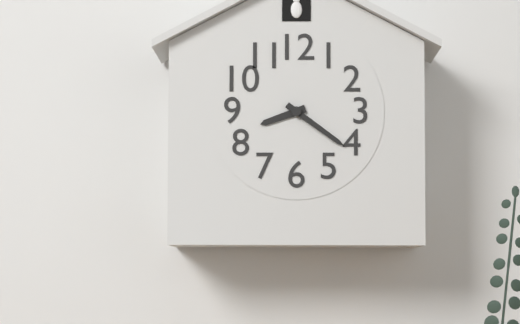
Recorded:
8.21
